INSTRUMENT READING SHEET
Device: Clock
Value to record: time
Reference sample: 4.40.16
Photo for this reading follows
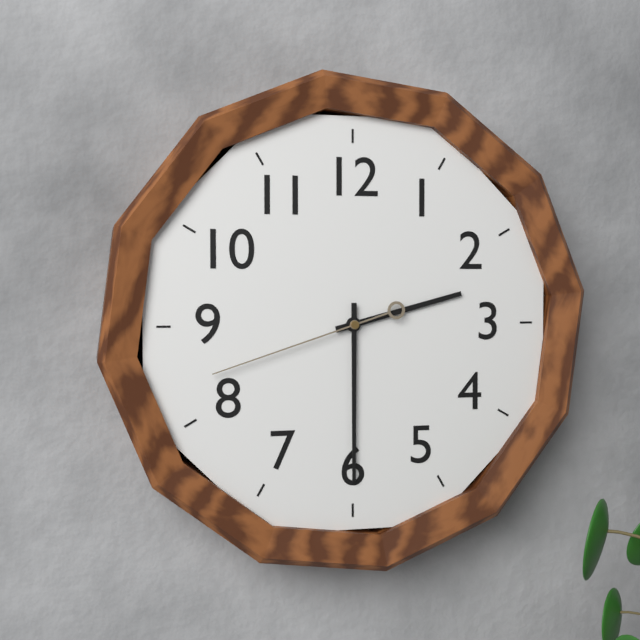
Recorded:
2.30.42
